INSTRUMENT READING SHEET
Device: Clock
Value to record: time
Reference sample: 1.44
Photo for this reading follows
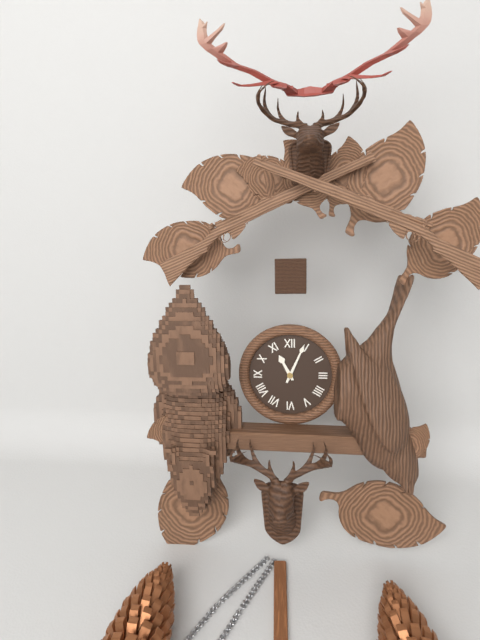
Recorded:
11.04
